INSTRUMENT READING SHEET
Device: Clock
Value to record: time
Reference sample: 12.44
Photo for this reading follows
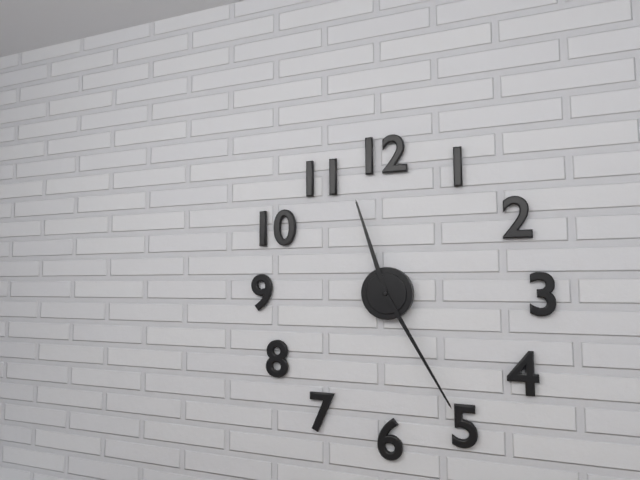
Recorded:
11.25
